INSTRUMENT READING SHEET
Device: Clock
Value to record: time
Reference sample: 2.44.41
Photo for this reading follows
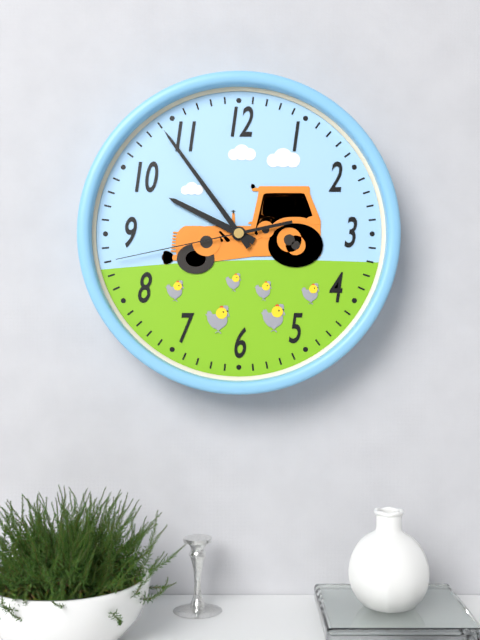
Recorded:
9.54.43
